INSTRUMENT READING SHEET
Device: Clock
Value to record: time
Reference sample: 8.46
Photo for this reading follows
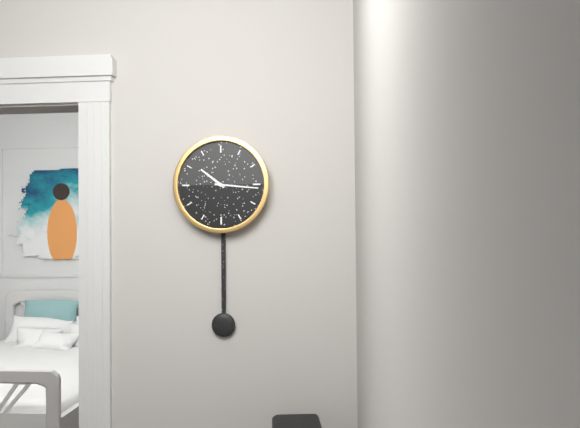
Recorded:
10.16
